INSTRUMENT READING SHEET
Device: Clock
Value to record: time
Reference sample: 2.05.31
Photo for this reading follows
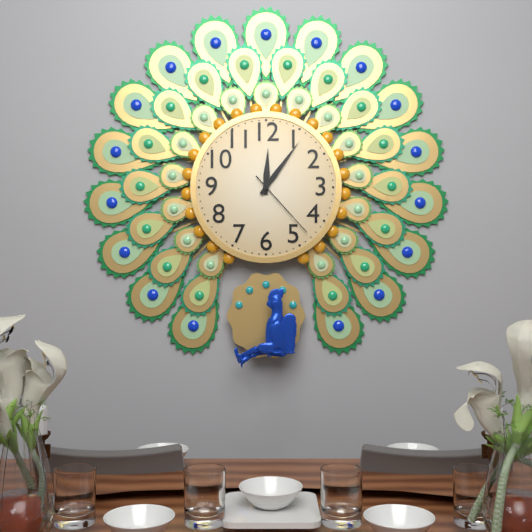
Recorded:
12.06.23
